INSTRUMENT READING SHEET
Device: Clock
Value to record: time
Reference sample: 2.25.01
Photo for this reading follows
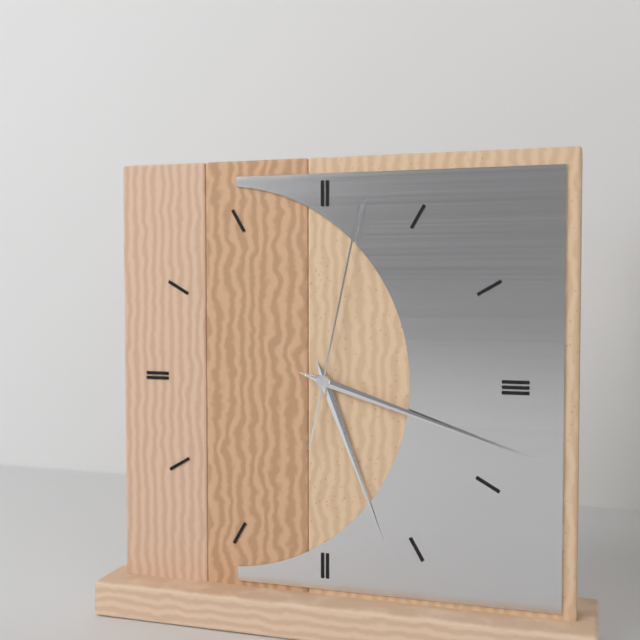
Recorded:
5.18.02
